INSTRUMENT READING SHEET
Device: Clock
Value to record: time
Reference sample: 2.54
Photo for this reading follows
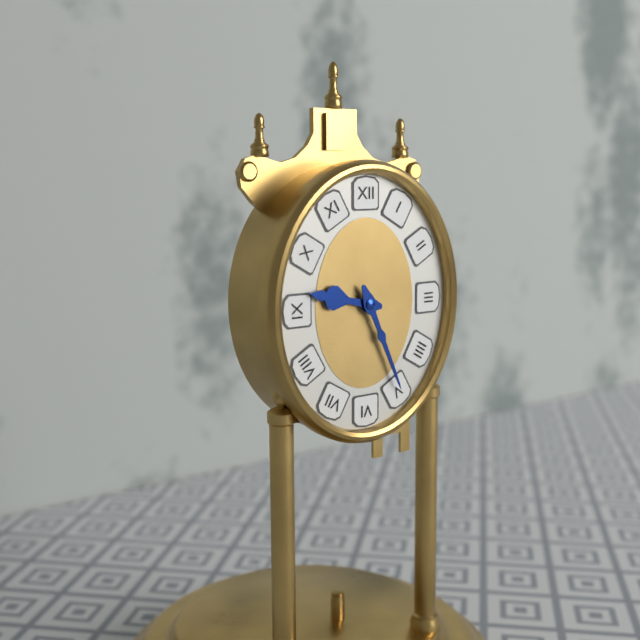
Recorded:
9.26
